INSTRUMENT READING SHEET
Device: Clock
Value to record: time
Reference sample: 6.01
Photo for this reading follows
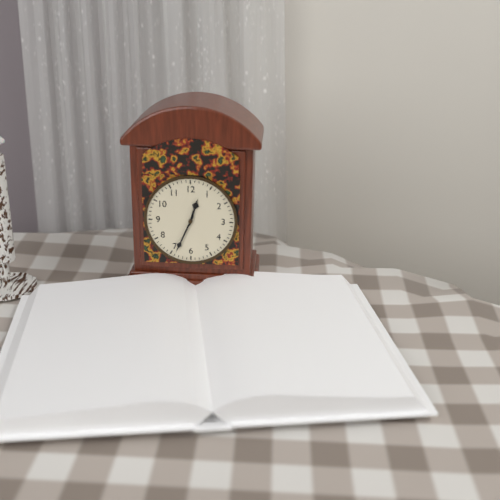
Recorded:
12.34
